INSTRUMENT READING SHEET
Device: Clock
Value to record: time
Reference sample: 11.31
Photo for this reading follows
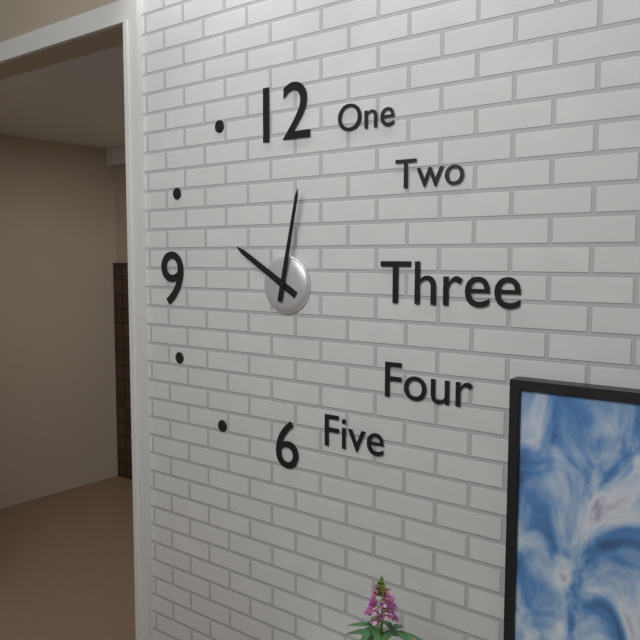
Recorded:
10.02
